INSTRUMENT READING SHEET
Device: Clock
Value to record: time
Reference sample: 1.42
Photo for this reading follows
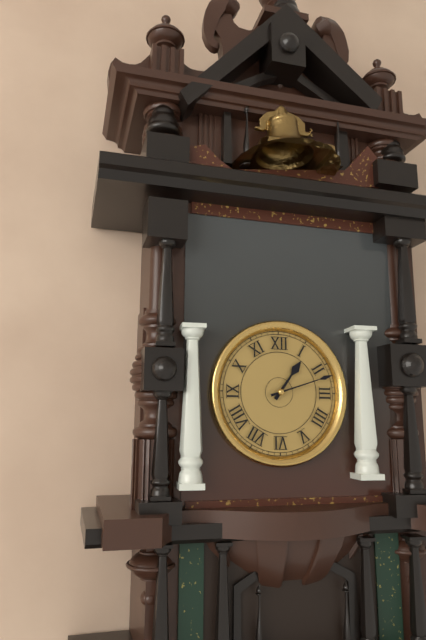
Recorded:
1.12
